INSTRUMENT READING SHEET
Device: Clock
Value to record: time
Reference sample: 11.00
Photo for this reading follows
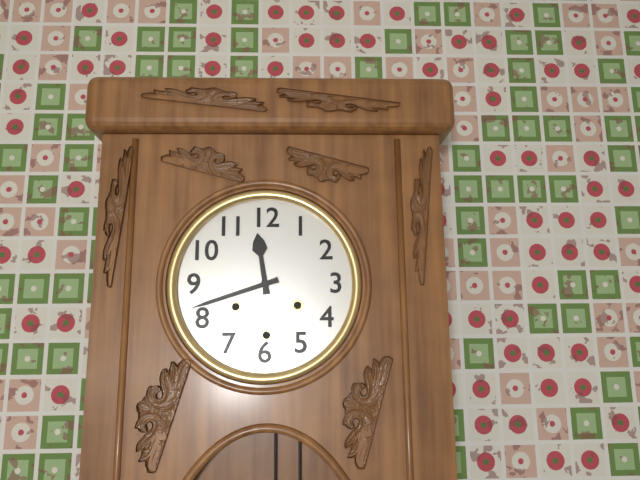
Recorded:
11.42
